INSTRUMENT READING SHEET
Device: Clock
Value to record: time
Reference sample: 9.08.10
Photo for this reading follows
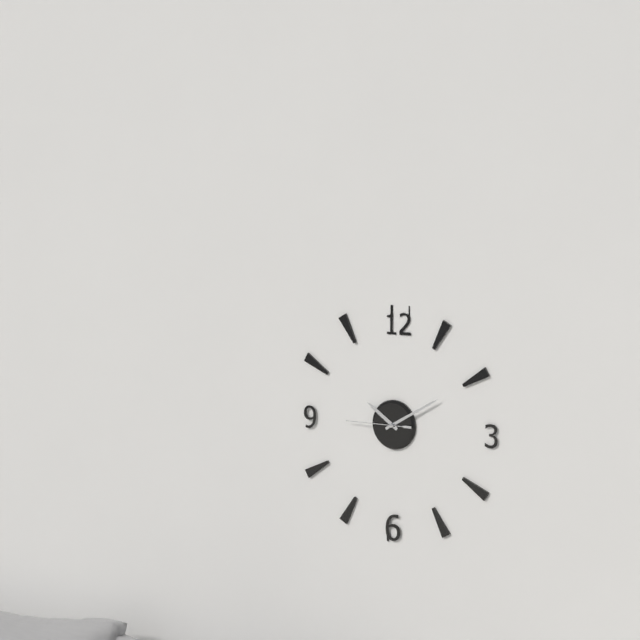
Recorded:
10.10.45
